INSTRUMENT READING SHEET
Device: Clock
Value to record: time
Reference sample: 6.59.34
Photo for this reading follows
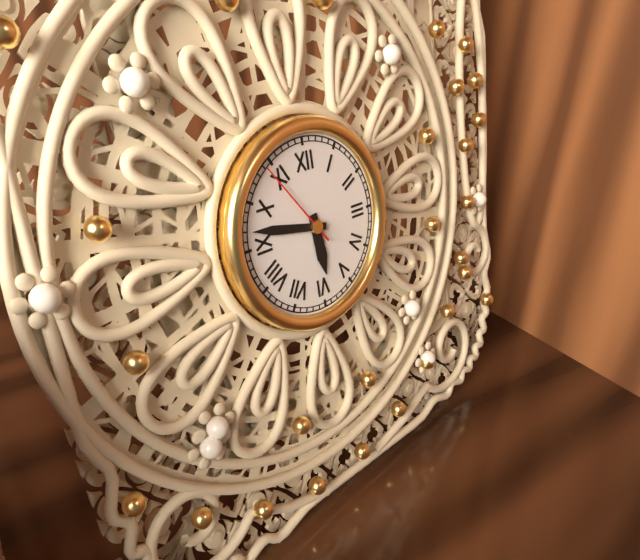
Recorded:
5.47.54
